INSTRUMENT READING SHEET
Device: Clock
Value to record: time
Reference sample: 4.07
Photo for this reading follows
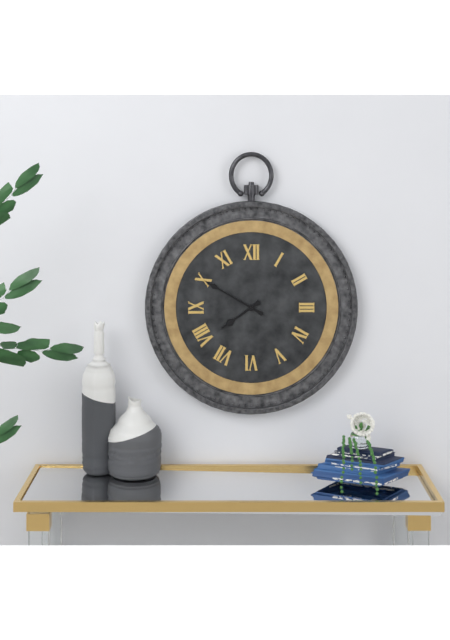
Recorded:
7.50
